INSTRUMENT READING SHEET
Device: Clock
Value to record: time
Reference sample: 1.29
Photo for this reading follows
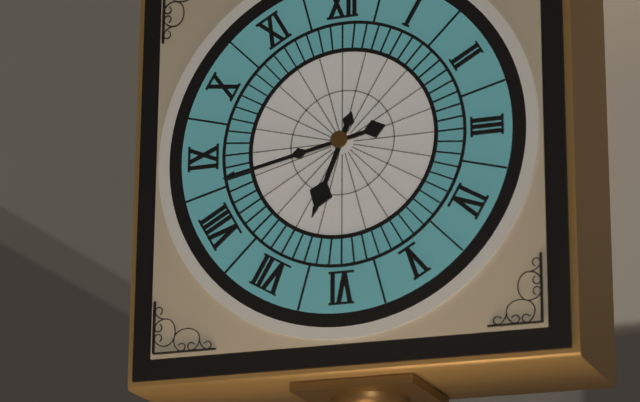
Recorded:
6.43
